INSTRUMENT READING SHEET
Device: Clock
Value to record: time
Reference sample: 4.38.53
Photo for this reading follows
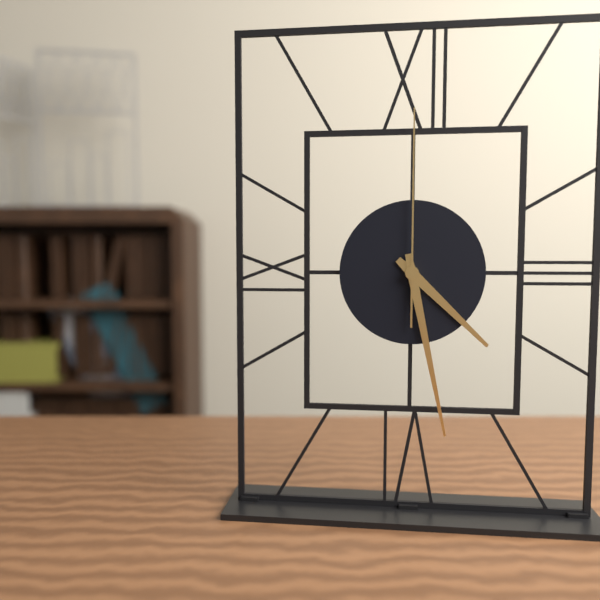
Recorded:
4.28.00
